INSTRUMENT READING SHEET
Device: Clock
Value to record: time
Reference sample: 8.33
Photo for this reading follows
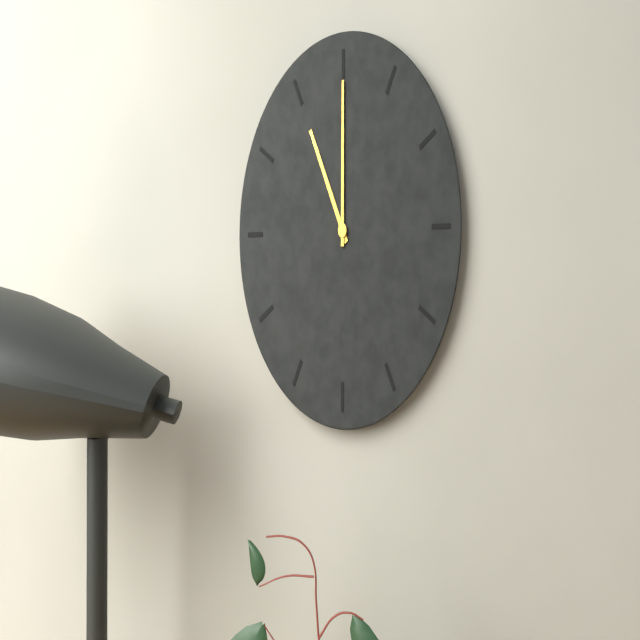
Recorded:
11.00
